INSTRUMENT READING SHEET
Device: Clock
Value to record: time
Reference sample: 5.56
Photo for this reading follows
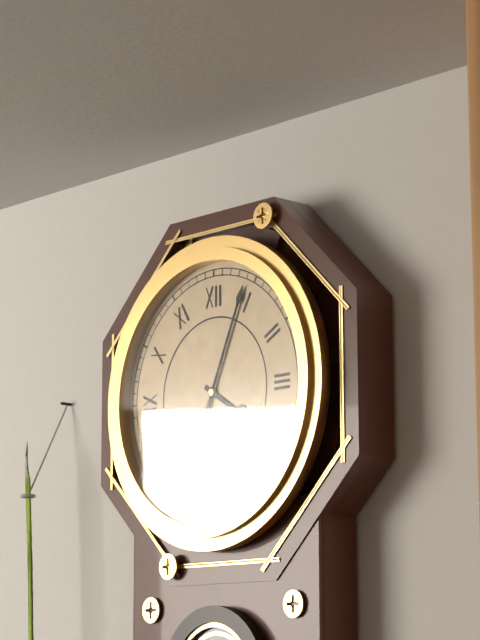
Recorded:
4.04
